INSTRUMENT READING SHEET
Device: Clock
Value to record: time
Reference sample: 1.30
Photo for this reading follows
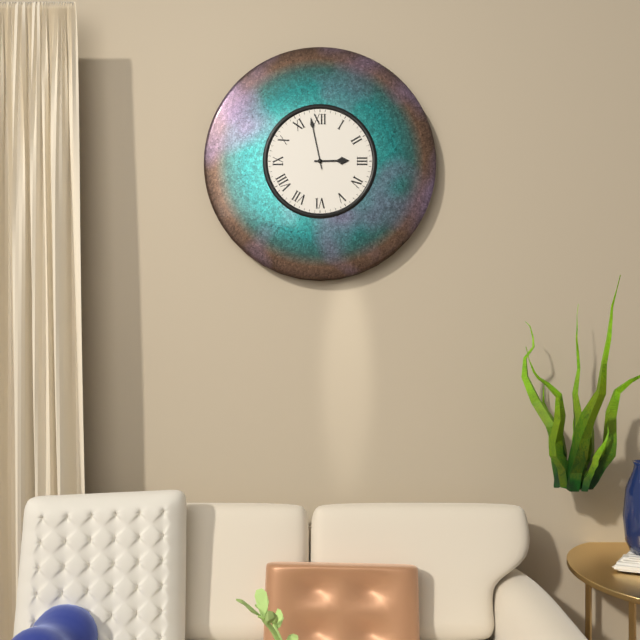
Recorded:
2.58
